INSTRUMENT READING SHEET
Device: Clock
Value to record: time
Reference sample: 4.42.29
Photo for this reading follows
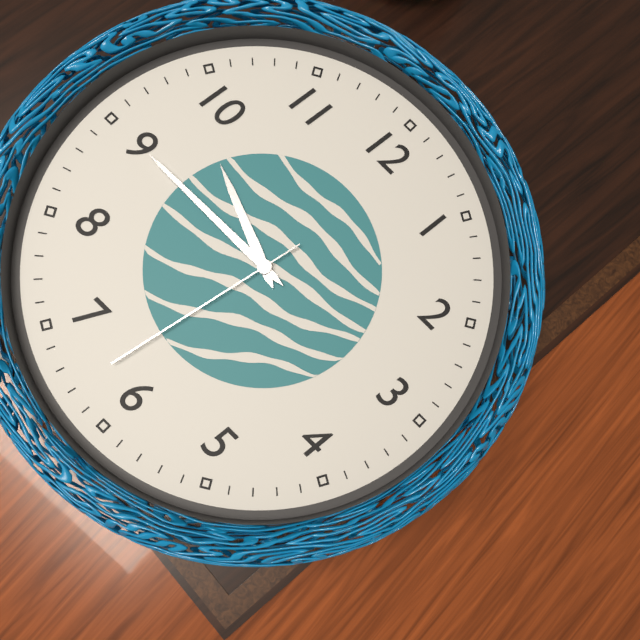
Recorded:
9.45.32
